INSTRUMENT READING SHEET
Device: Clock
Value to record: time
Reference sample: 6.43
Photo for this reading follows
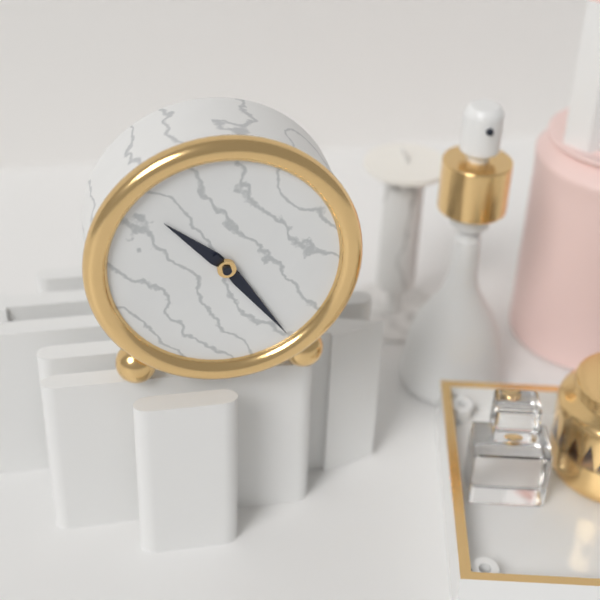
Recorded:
10.24
